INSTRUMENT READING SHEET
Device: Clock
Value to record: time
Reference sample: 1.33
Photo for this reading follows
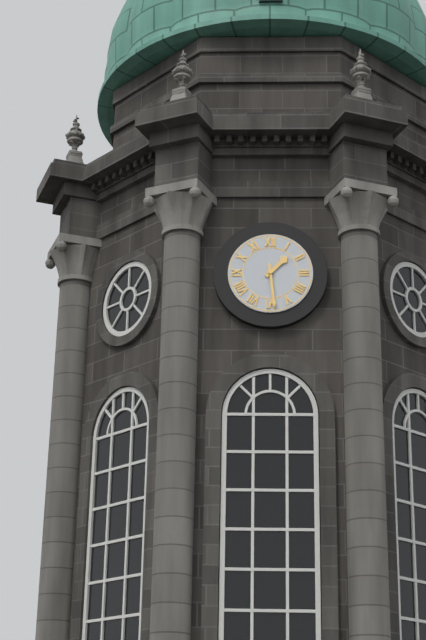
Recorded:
1.29
